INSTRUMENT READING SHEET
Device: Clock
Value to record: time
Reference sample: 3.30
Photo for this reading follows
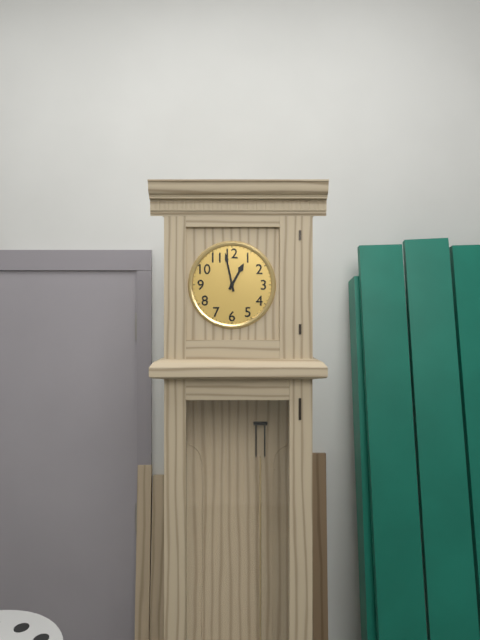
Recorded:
12.58
